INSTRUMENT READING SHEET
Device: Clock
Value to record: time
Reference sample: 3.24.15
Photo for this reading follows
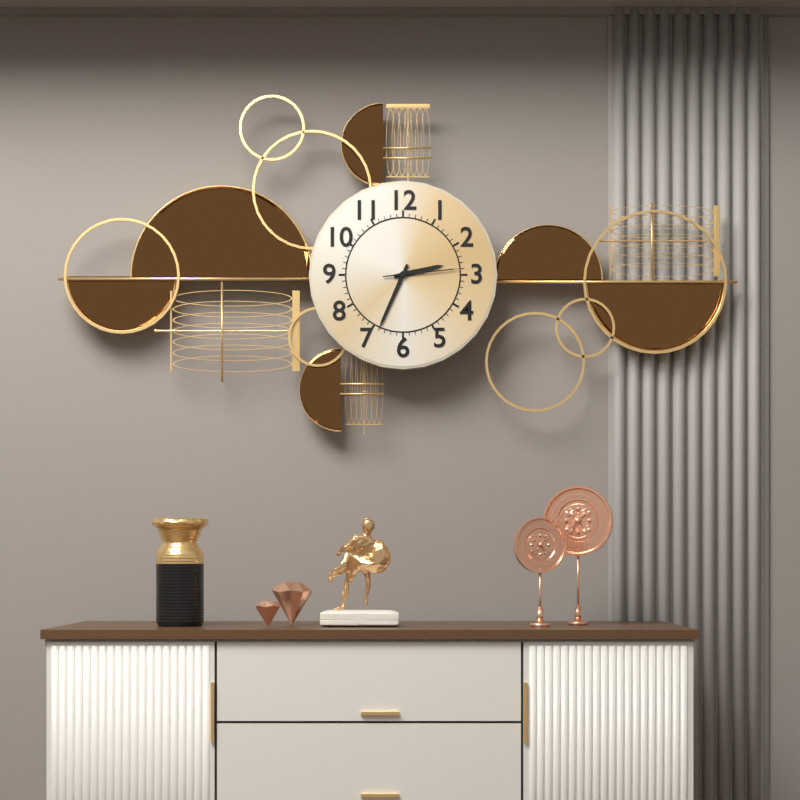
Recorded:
2.34.14
